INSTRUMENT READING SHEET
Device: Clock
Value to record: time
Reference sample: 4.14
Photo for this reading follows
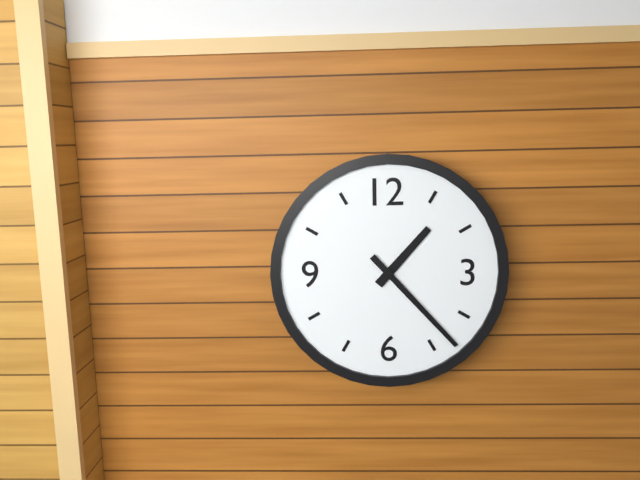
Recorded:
1.23
